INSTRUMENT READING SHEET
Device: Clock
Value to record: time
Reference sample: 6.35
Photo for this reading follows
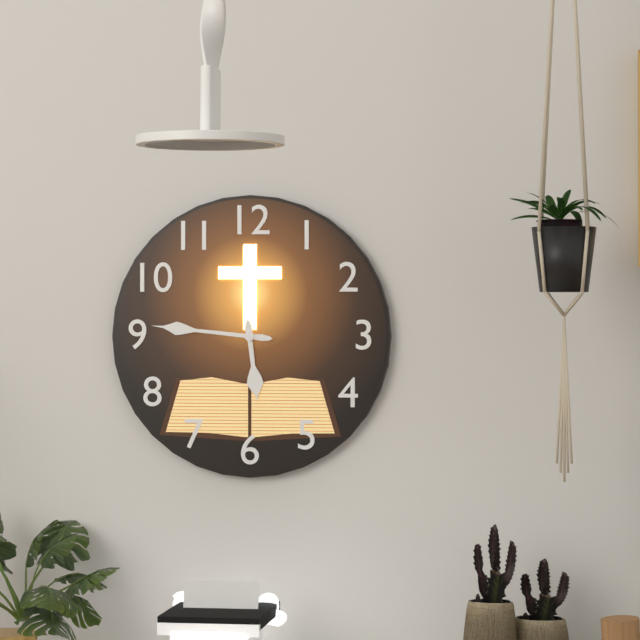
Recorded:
5.46
